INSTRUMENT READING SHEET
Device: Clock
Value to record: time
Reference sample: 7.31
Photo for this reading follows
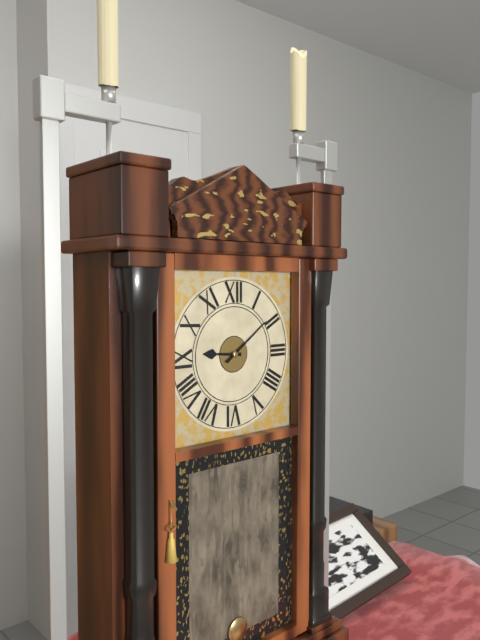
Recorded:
9.09
